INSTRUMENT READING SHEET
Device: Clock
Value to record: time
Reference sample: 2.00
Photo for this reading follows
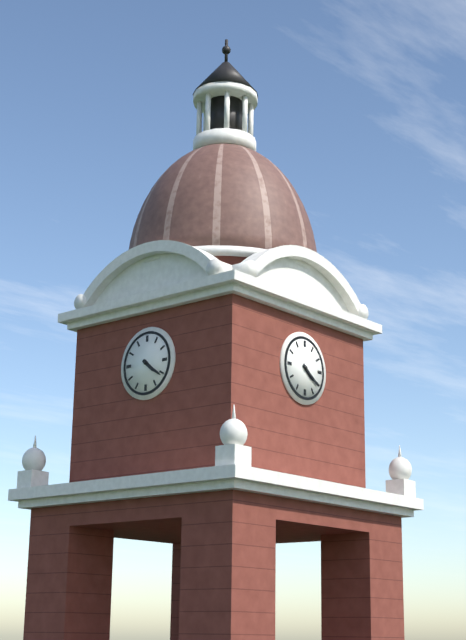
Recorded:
4.21
